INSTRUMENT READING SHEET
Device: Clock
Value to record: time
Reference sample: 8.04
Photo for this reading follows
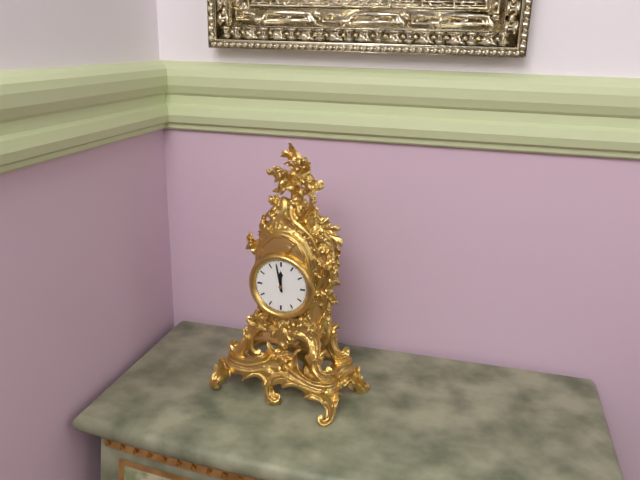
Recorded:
11.58
